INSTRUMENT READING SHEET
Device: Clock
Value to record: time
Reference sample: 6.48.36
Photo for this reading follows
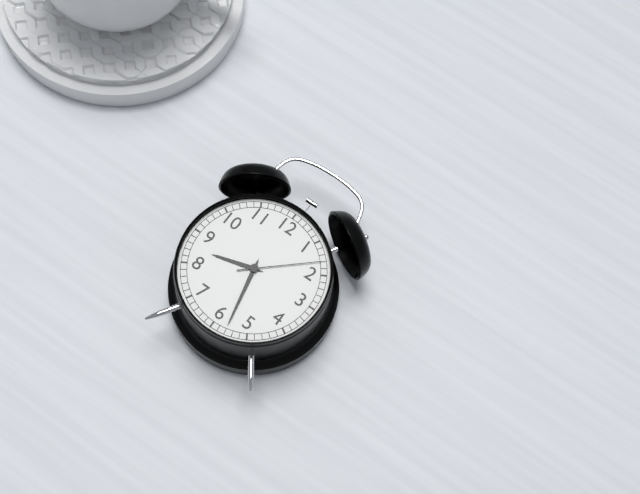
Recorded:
8.28.08
